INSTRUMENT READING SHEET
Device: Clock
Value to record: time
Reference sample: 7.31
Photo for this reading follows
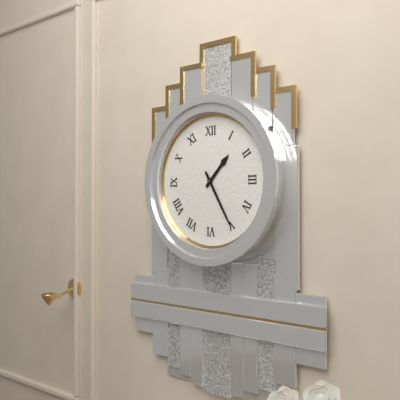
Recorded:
1.25
